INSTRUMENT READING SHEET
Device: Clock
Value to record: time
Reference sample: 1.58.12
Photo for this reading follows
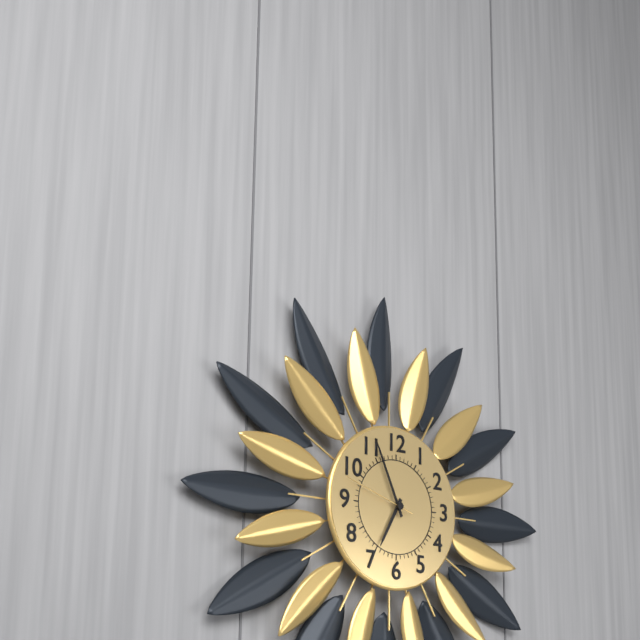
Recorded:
6.56.48
